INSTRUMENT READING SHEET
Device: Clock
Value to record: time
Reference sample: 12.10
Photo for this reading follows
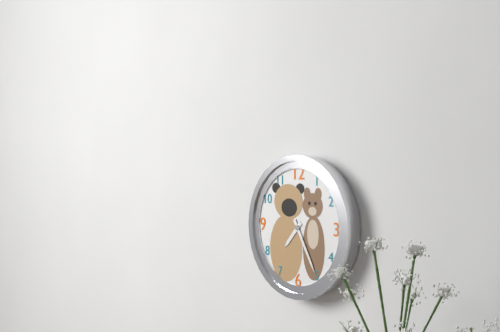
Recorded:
7.25
